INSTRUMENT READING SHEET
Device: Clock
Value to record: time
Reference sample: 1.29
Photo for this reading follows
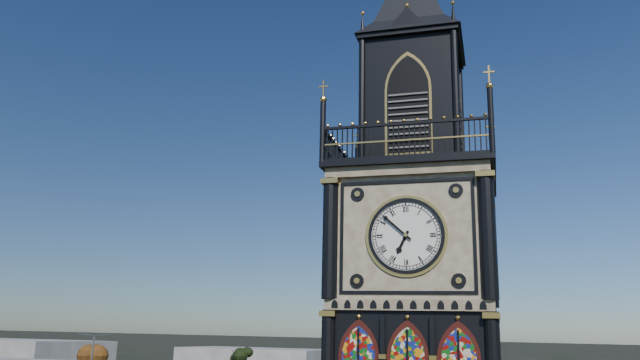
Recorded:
6.52
